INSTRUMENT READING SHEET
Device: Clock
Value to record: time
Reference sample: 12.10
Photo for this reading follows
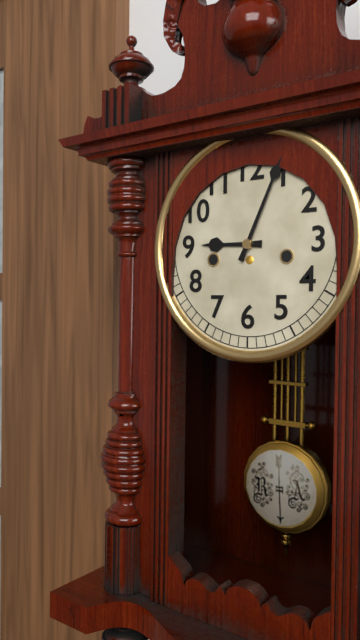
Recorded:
9.04
